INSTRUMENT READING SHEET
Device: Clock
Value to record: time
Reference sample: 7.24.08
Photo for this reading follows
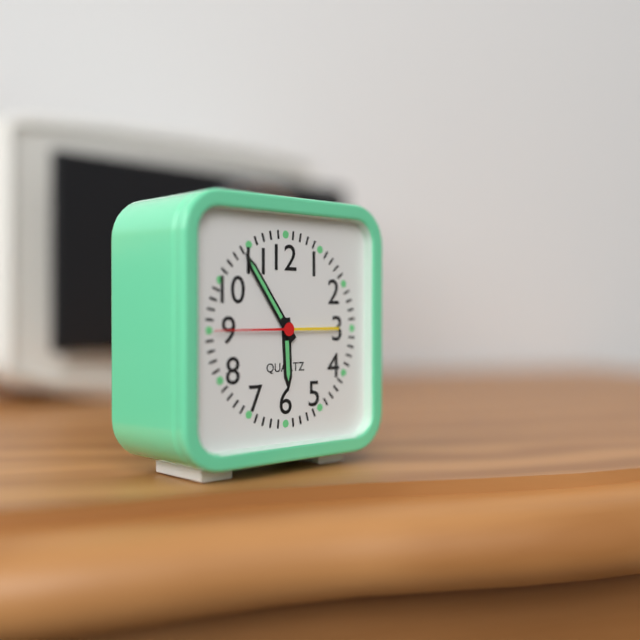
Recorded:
5.54.45
